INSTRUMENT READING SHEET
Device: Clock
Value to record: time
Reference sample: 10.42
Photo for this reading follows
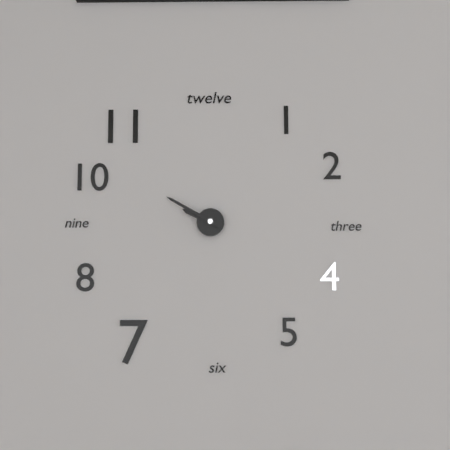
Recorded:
9.50
